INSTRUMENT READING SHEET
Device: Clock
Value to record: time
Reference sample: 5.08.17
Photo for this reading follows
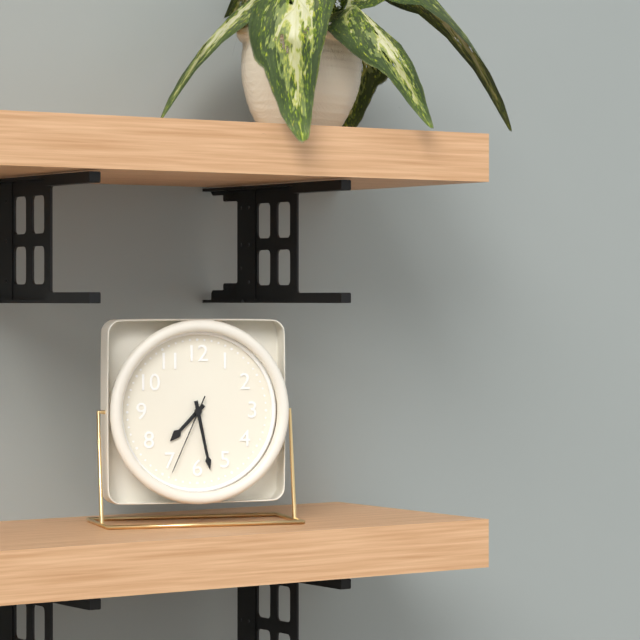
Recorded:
7.28.34
